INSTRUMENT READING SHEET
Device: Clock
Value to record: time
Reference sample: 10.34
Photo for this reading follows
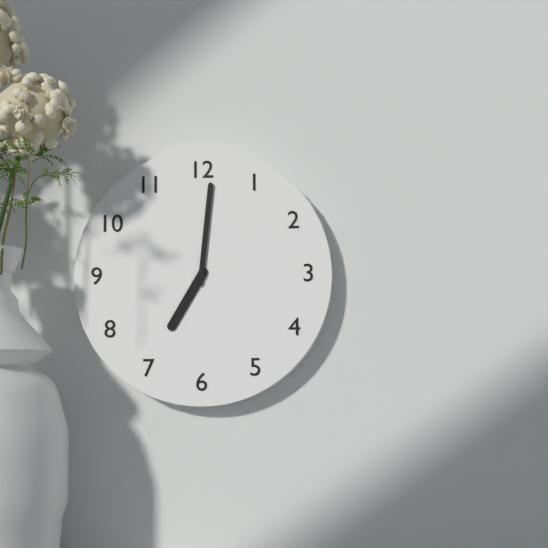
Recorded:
7.01
